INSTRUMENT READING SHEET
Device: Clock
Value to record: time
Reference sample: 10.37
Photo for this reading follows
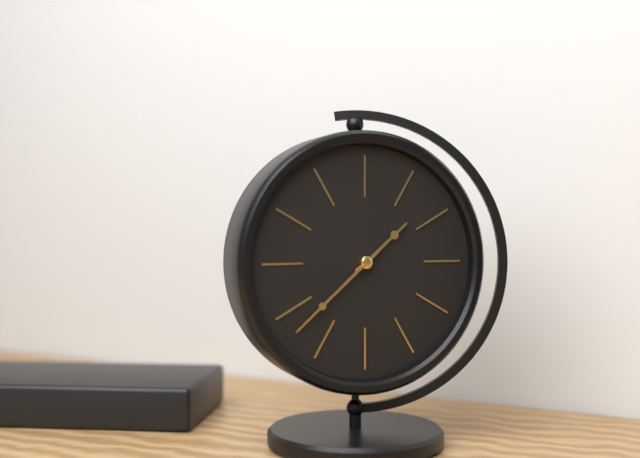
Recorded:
1.38
